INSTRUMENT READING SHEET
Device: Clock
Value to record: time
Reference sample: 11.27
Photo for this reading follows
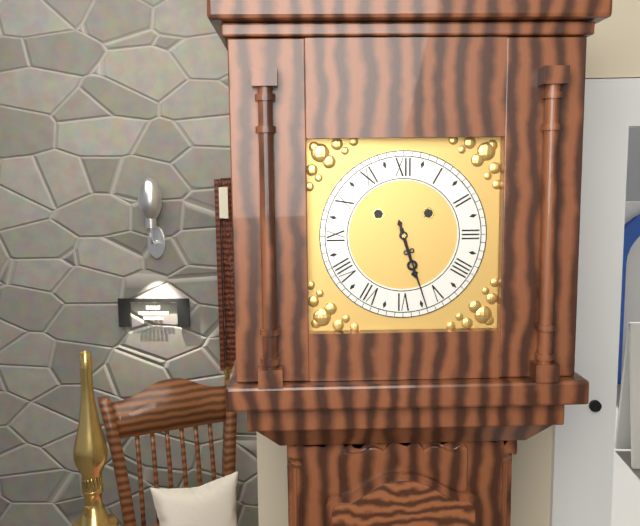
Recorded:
5.27
